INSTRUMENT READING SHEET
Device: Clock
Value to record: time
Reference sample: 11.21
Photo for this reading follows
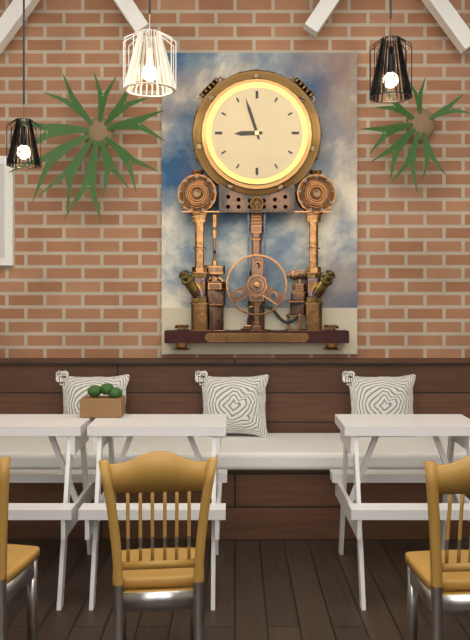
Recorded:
8.57
